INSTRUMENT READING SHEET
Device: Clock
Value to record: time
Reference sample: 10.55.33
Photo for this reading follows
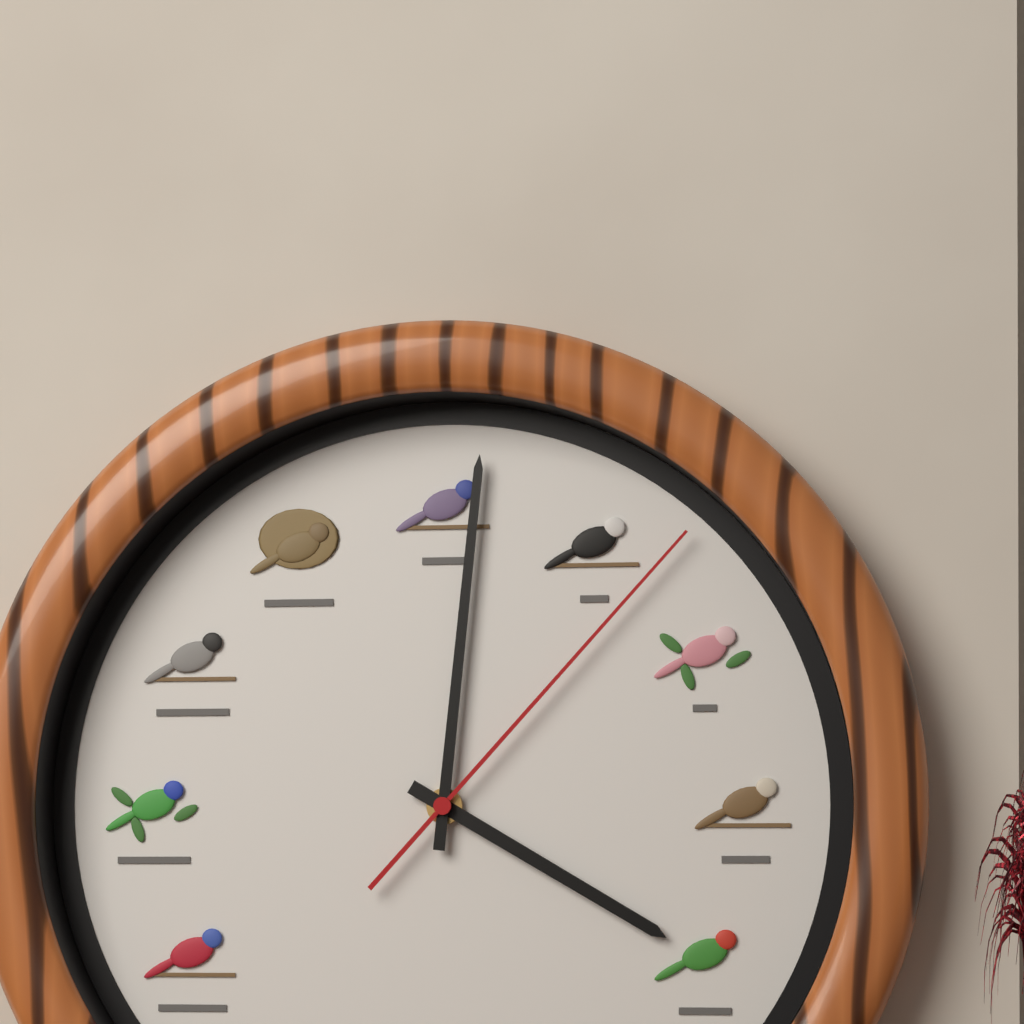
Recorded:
4.01.07
